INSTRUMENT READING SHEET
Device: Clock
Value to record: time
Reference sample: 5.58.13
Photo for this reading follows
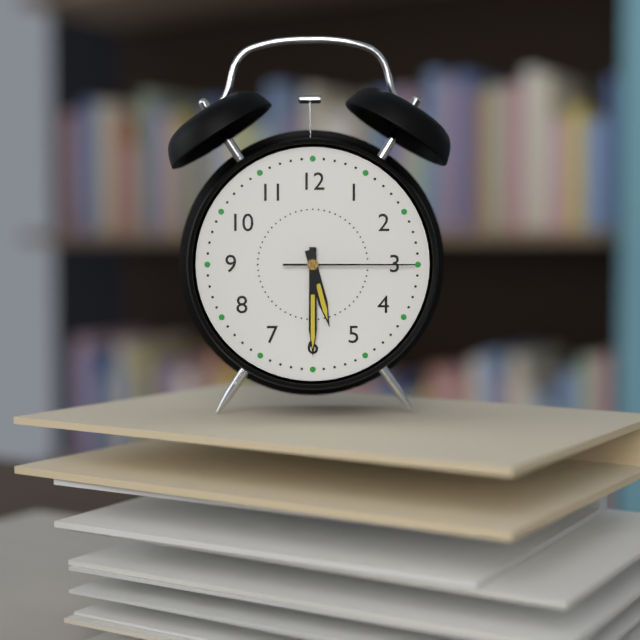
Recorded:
5.30.15
